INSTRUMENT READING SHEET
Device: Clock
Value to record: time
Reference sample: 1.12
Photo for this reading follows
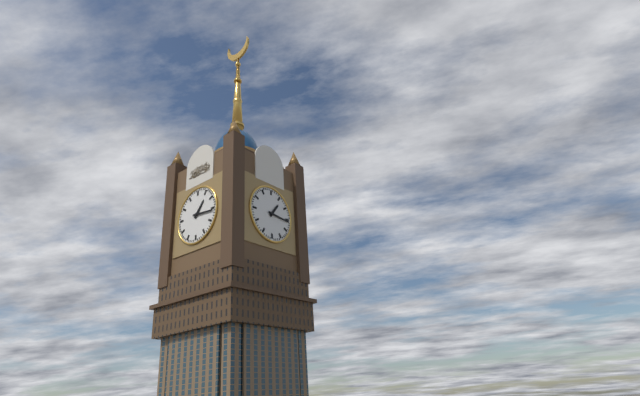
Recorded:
1.16
